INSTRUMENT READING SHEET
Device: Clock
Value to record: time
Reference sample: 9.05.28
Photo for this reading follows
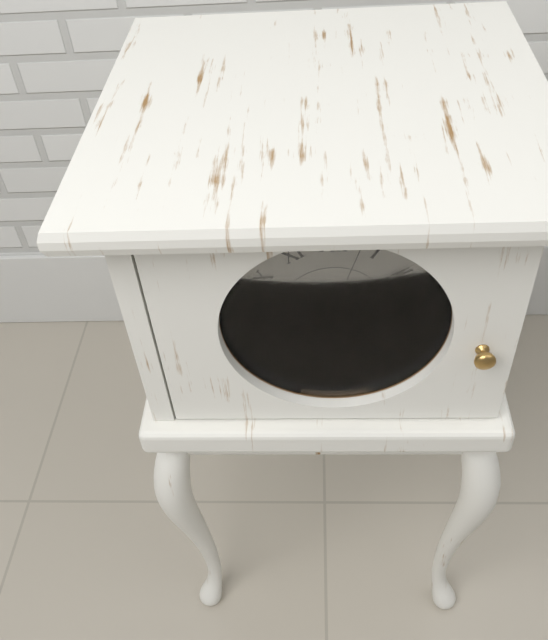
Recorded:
3.09.03
